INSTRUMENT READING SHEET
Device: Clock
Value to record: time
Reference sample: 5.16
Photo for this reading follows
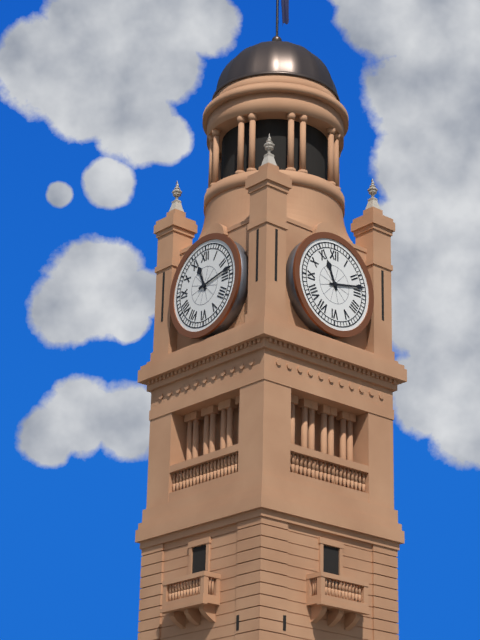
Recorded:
11.13
